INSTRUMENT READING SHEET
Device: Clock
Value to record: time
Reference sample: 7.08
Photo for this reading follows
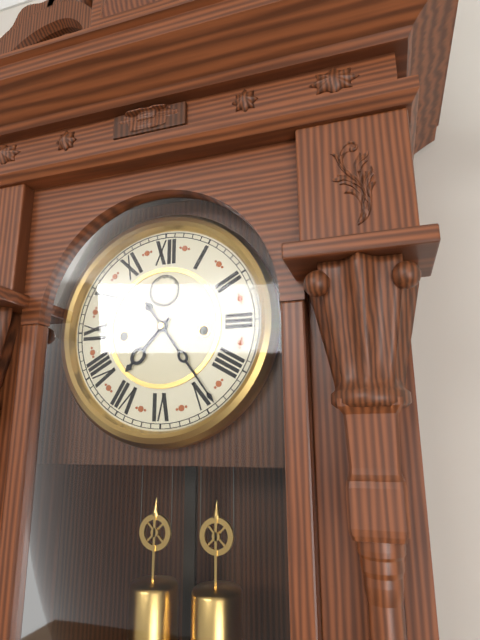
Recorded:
7.24
